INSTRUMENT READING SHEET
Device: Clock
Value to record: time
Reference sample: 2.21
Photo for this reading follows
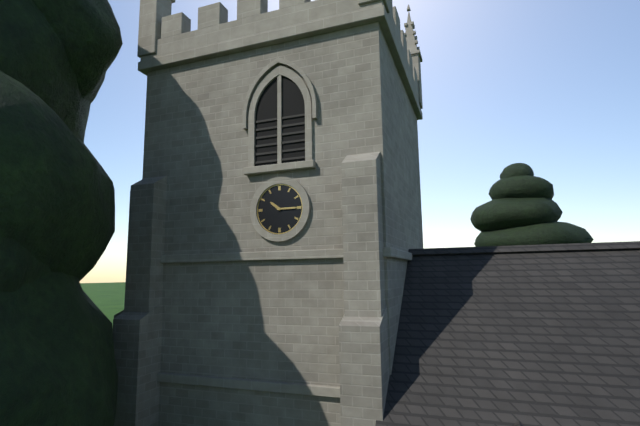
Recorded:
10.15
